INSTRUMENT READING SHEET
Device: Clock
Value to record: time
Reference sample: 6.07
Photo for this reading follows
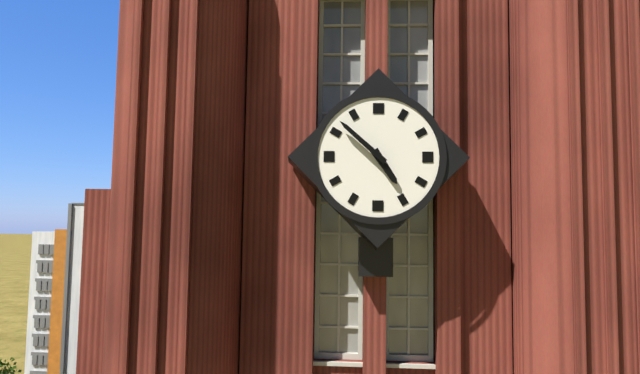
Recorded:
4.52
